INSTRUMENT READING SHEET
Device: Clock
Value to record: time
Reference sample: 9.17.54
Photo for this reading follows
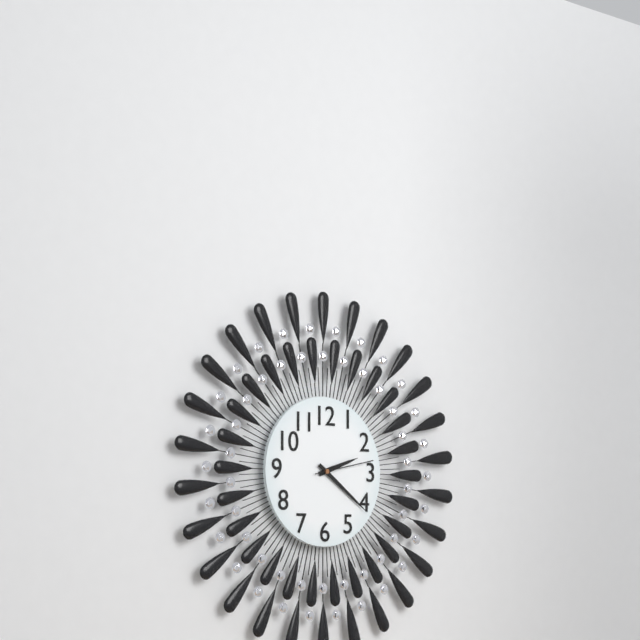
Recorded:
2.21.13
